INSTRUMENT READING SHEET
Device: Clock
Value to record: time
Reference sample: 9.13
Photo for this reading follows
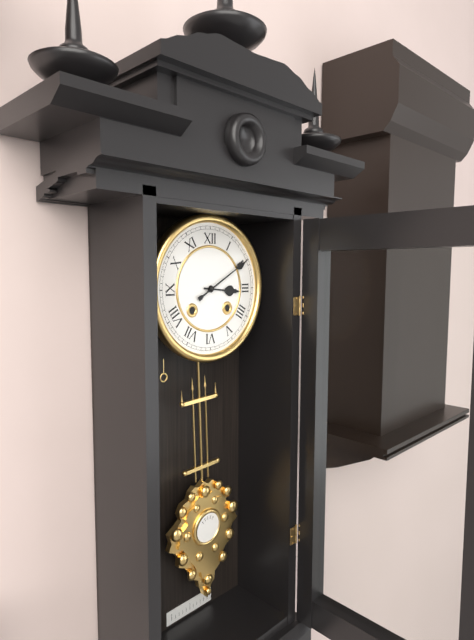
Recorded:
3.10
